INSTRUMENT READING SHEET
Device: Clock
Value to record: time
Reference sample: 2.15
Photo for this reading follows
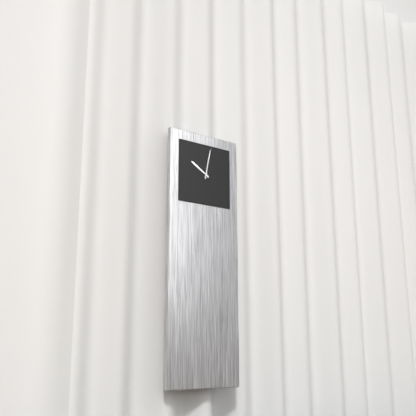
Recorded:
10.02
